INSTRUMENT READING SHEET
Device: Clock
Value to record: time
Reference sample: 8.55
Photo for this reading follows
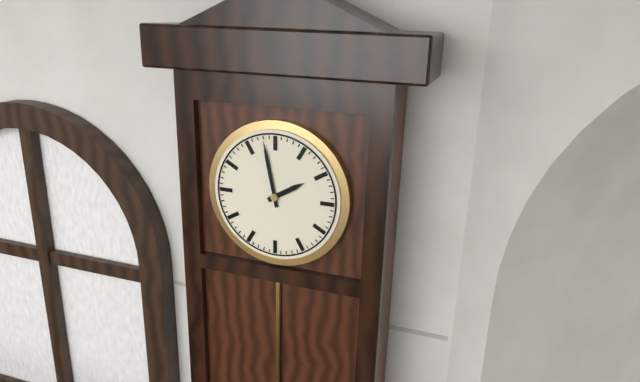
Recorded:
1.58
